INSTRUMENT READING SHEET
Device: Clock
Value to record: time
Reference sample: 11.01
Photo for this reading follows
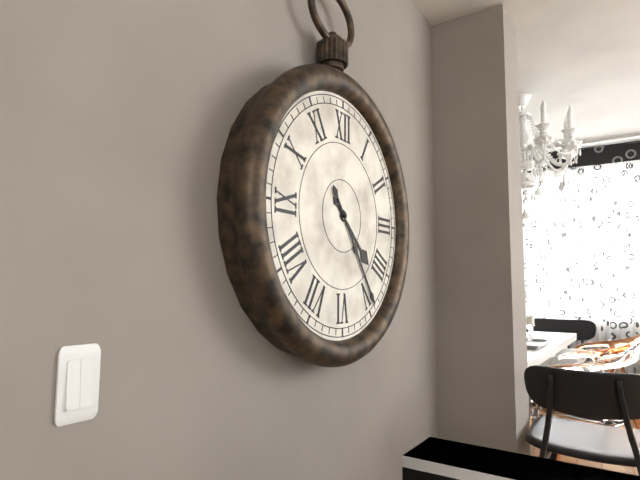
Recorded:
4.24
